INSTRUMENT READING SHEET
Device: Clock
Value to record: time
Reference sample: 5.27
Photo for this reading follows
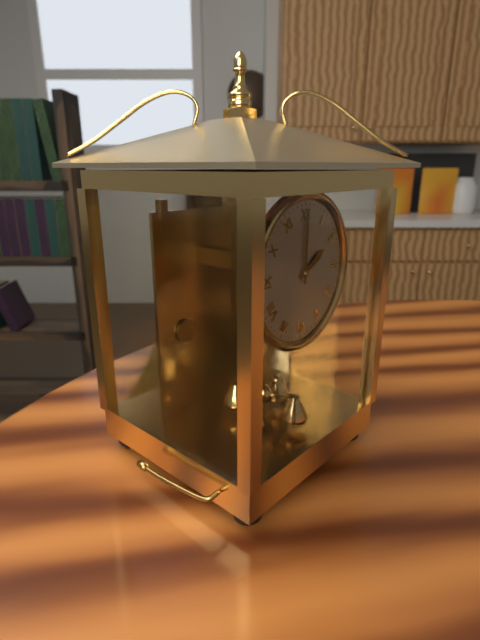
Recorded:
2.00
